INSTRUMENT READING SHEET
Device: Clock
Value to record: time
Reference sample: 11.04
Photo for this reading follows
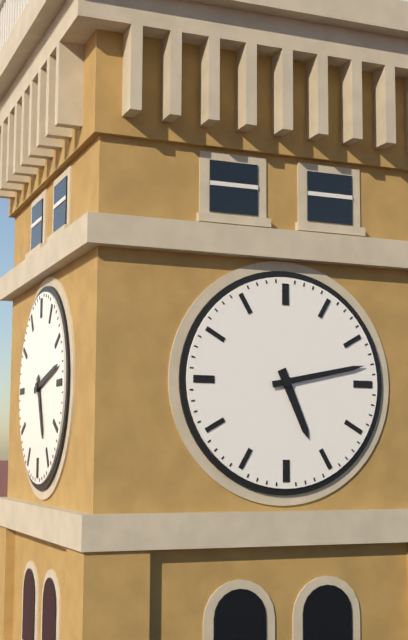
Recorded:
5.13
